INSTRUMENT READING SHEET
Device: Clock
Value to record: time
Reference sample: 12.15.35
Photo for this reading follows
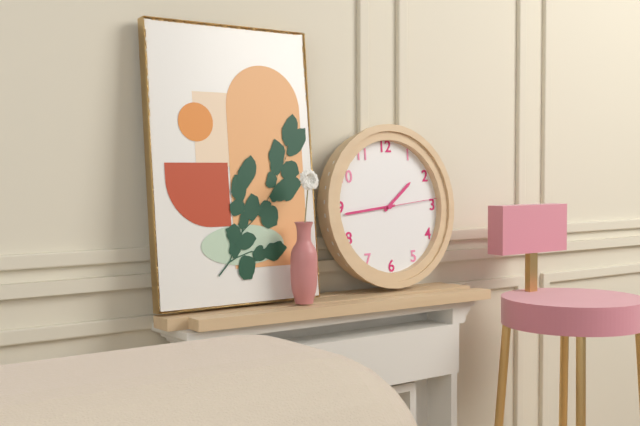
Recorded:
1.44.14
